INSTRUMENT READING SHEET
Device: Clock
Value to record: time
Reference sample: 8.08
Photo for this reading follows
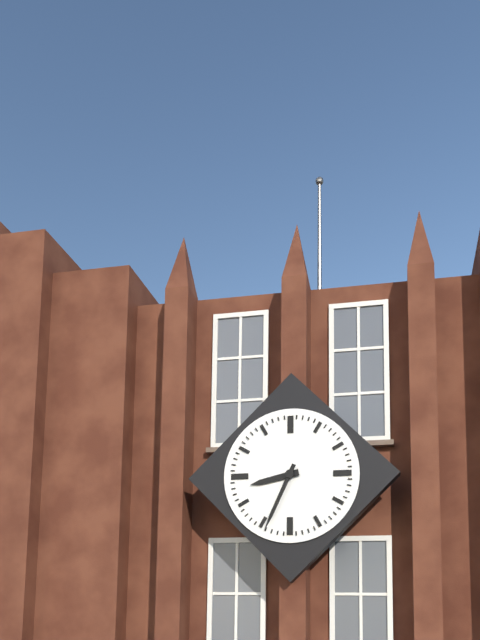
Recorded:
8.34
